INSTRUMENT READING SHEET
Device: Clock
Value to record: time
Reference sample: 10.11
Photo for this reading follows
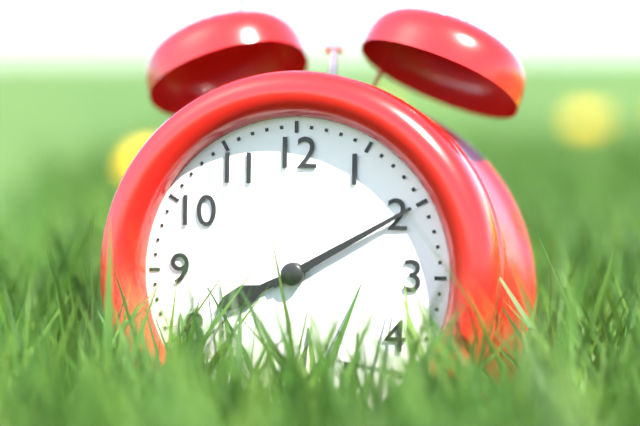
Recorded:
8.10
